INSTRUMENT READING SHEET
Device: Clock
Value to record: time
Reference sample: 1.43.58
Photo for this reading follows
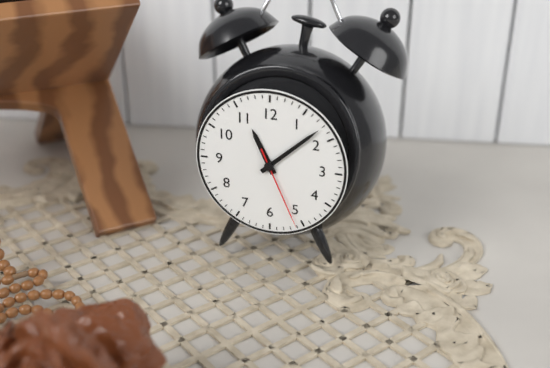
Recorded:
11.08.26
